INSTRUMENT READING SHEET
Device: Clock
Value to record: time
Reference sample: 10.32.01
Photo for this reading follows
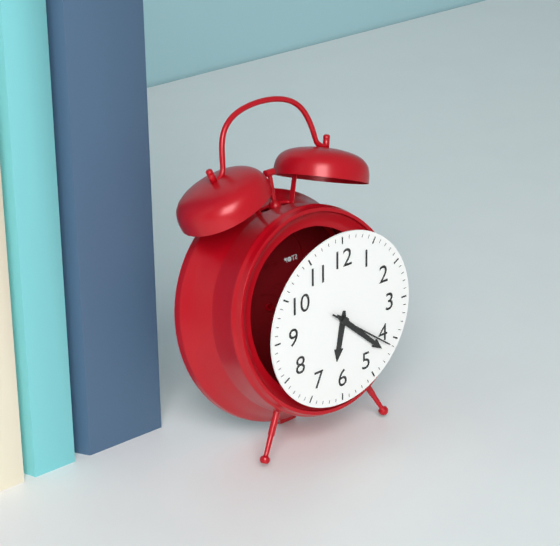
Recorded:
6.22.21
